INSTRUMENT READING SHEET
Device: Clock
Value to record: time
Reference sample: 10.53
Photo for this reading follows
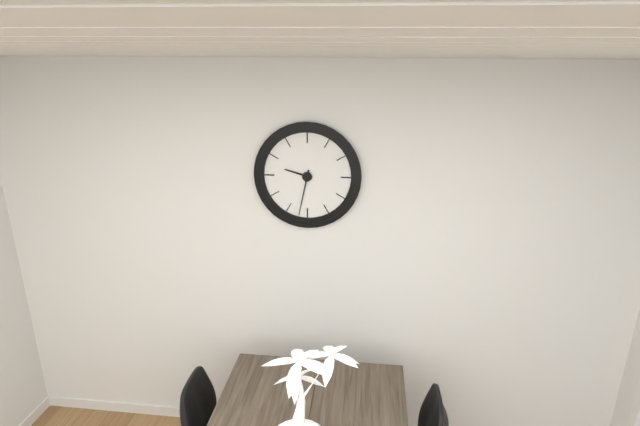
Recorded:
9.32
